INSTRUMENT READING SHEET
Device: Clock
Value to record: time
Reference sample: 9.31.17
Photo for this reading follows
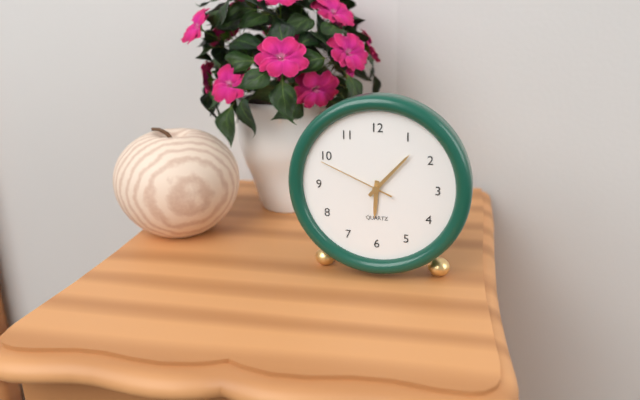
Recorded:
6.07.49
